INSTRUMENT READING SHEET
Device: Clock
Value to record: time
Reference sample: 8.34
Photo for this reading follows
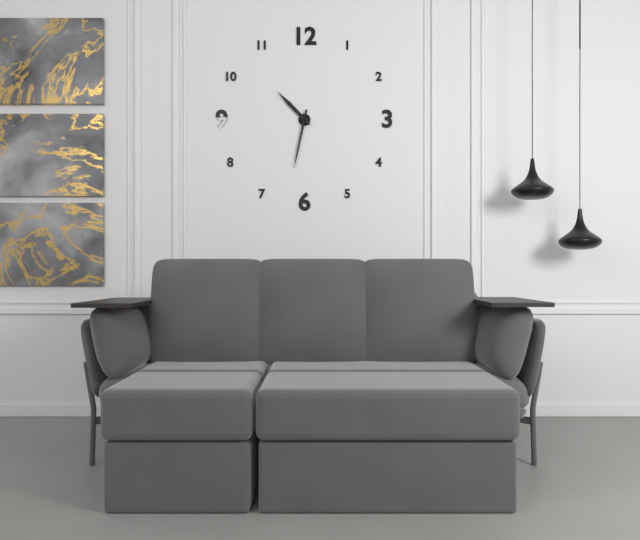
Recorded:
10.32
